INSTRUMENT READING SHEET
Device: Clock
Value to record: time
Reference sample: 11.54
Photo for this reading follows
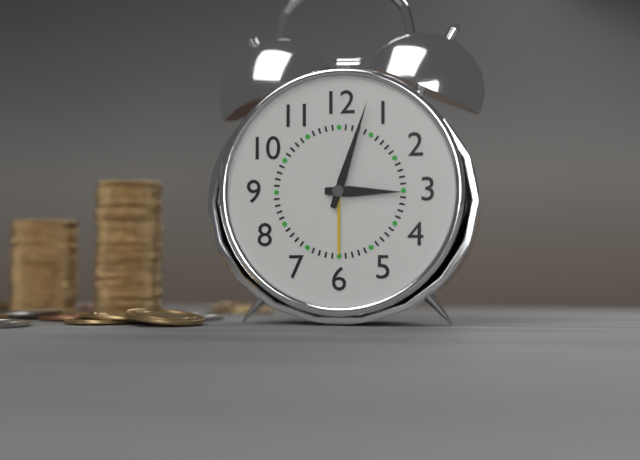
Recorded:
3.03
